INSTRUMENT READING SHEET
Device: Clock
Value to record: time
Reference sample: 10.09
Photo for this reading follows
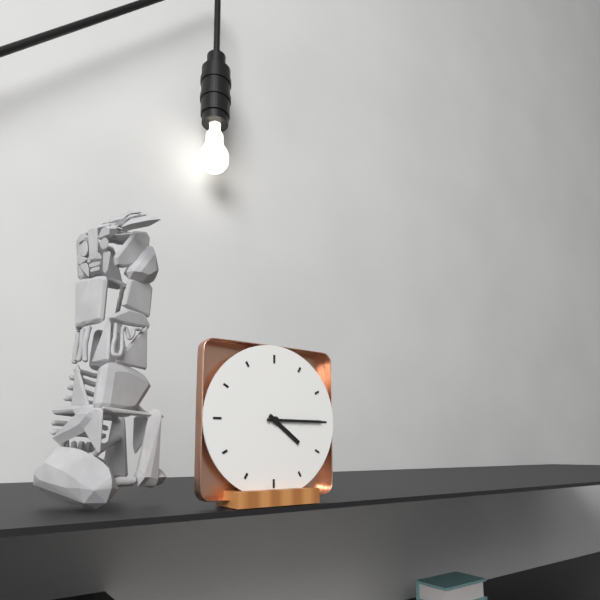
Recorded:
4.15
